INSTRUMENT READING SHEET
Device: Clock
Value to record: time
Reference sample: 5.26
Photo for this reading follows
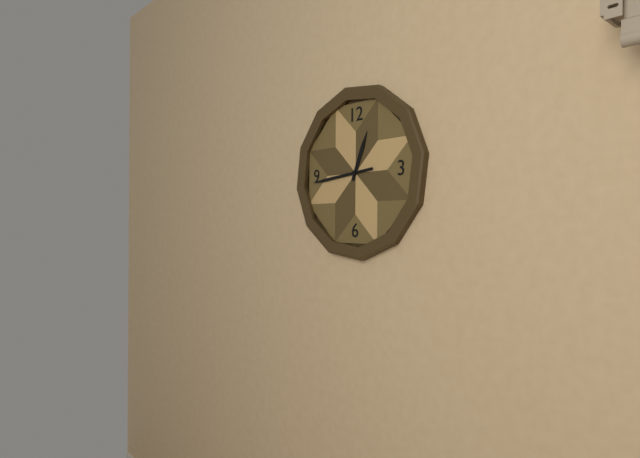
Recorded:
12.44
